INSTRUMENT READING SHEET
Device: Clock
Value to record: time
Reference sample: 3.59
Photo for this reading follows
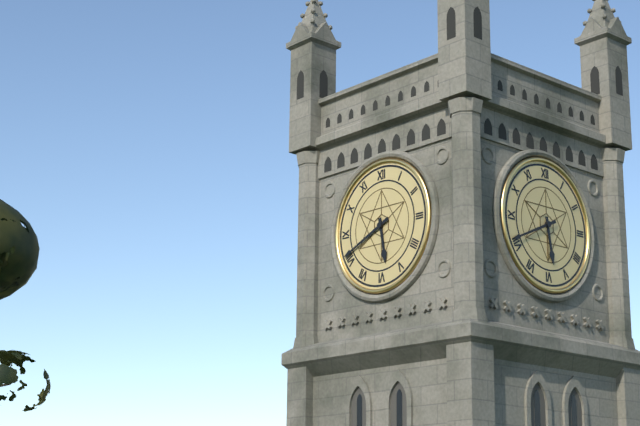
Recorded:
5.41
